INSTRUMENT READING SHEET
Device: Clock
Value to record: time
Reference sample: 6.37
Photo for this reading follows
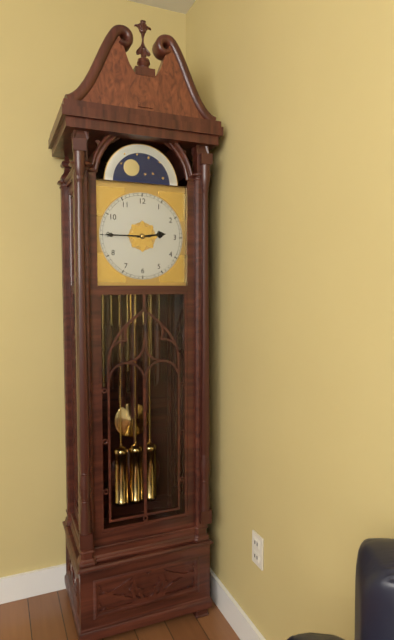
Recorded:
2.45
